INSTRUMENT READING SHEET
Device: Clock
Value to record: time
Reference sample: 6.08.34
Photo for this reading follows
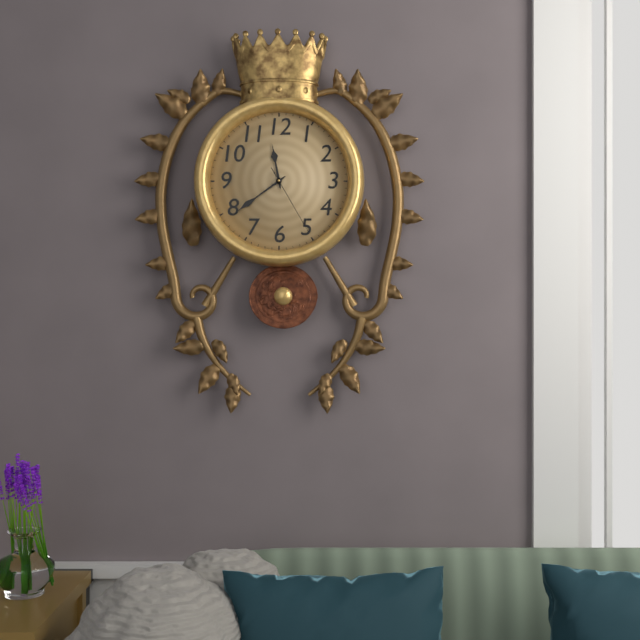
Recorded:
11.39.25
